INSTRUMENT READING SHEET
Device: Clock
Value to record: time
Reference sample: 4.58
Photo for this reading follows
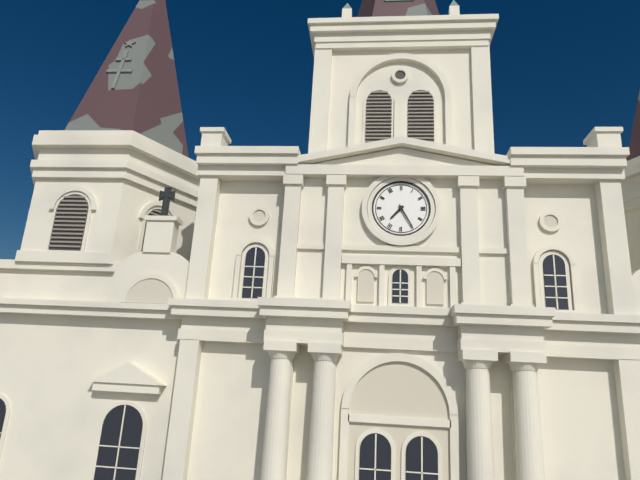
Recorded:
7.25
